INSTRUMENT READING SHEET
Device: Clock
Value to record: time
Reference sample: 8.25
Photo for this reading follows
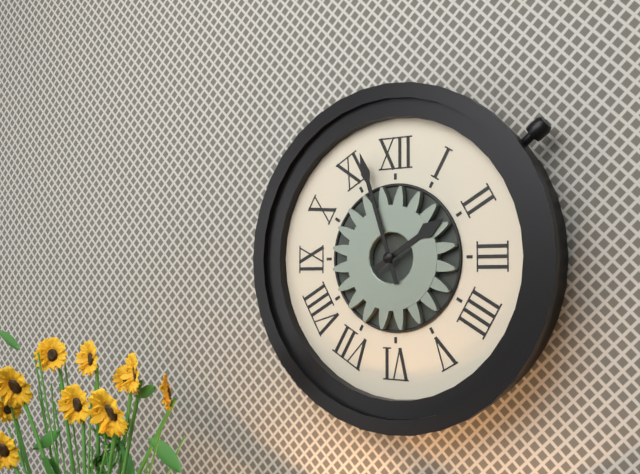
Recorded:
1.57
